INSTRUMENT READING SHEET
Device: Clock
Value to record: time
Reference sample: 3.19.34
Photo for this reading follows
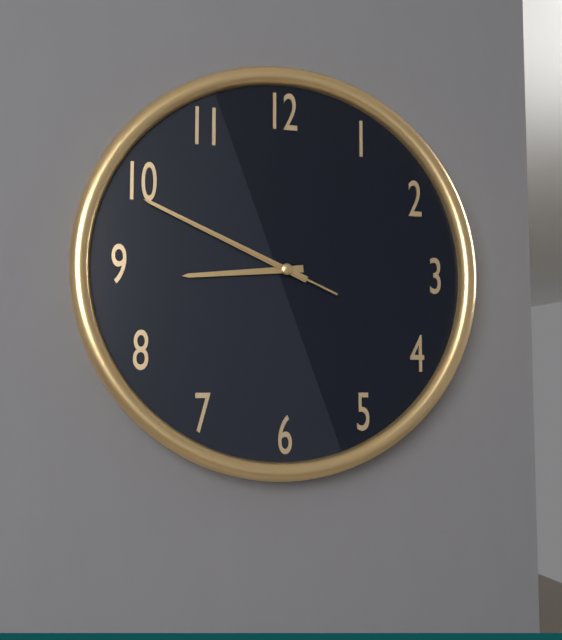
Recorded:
8.49.49
